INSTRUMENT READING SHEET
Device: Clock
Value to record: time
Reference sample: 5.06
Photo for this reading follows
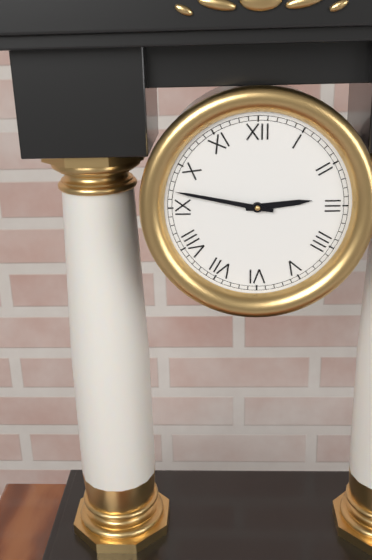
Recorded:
2.47
